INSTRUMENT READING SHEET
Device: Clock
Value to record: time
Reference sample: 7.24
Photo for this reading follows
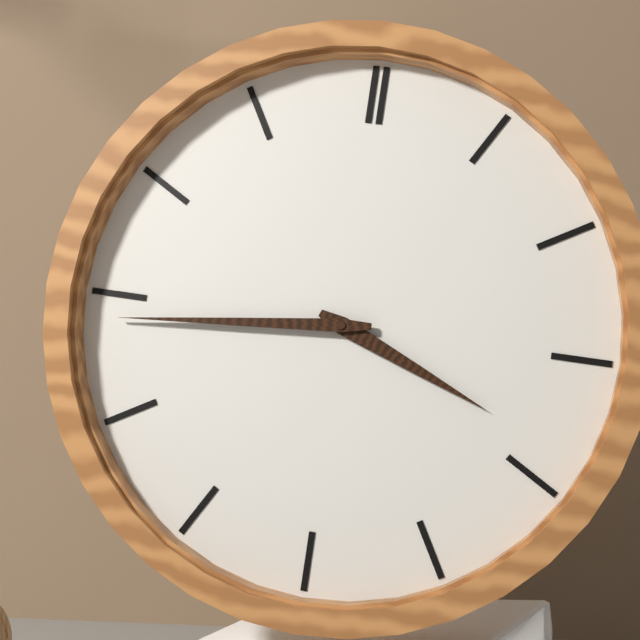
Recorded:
3.44
